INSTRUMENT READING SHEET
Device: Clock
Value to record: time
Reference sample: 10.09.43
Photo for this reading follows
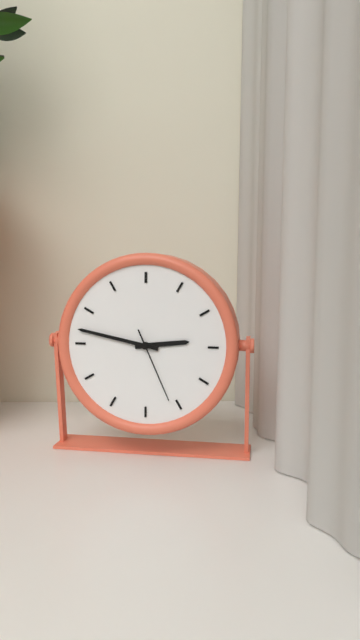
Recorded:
2.47.26
